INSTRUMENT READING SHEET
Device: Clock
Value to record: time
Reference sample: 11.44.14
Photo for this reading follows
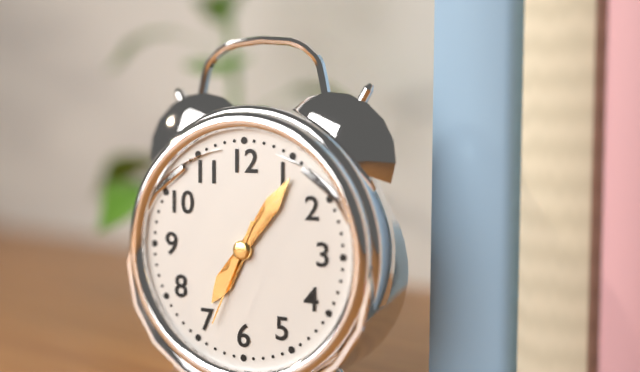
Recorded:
7.06.34
